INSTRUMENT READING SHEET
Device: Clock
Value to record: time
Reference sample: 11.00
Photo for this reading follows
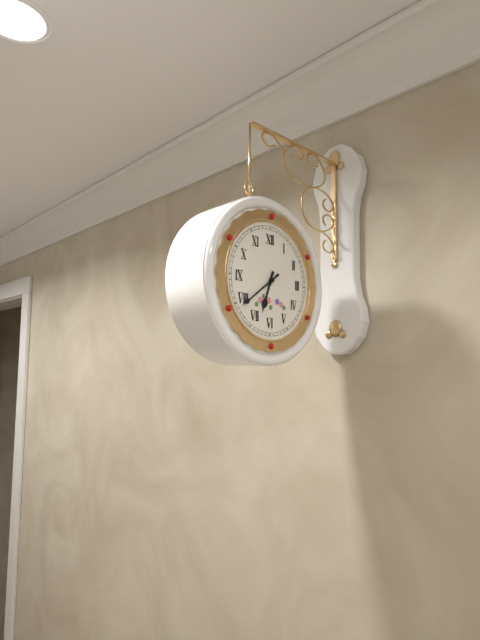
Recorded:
6.39
